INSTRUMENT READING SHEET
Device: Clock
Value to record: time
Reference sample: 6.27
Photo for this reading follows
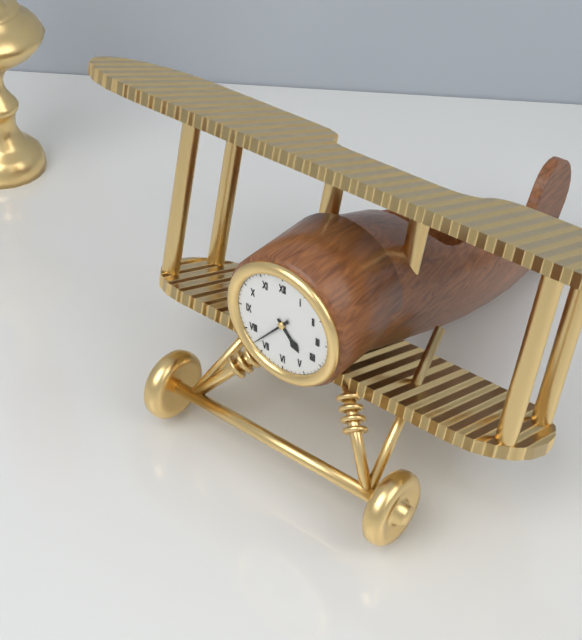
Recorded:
4.37
